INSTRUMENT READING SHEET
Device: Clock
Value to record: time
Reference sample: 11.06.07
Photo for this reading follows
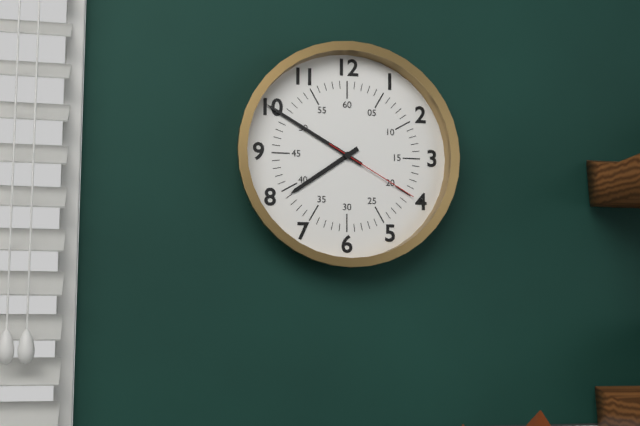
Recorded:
7.50.20
